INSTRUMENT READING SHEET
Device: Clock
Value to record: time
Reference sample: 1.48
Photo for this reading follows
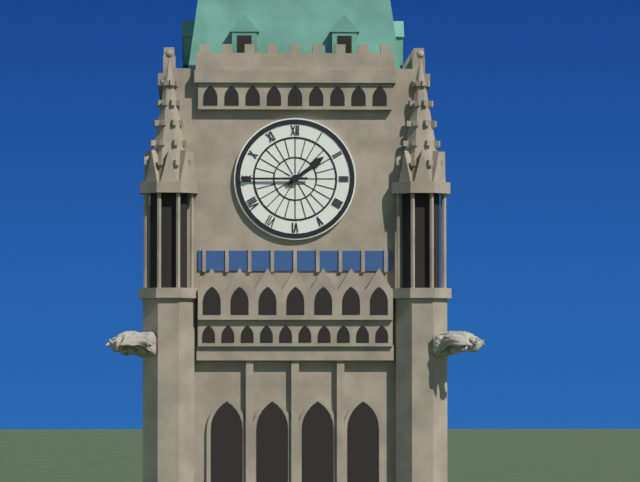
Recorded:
1.45
